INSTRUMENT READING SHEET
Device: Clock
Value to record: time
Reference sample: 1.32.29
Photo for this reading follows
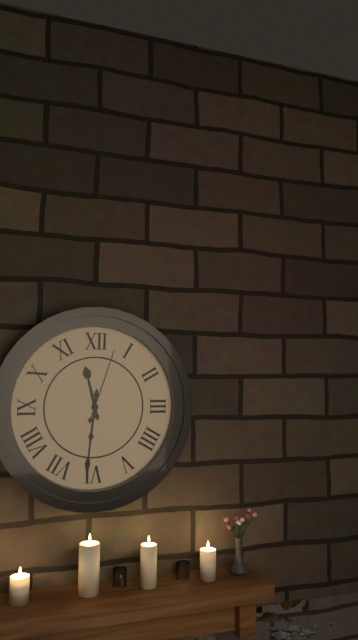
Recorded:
11.31.03
